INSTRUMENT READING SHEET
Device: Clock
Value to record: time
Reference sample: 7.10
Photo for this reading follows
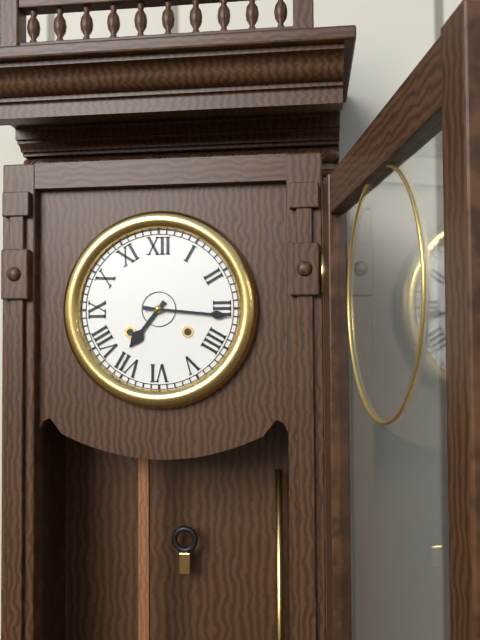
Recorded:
7.16
